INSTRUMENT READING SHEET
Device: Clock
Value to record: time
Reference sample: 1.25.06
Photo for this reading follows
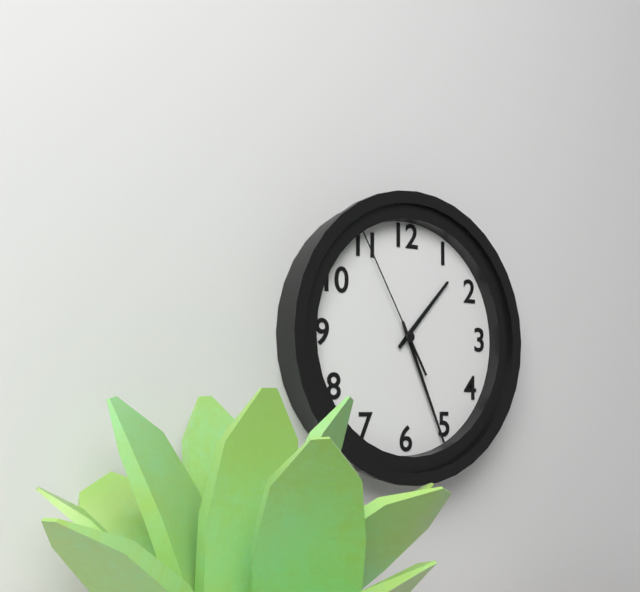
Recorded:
1.26.55
